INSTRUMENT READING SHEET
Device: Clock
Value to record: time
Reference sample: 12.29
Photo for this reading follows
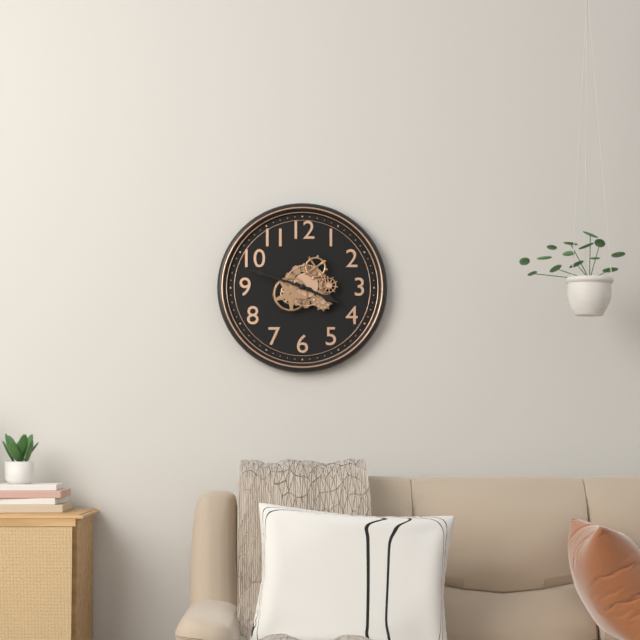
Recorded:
3.48
